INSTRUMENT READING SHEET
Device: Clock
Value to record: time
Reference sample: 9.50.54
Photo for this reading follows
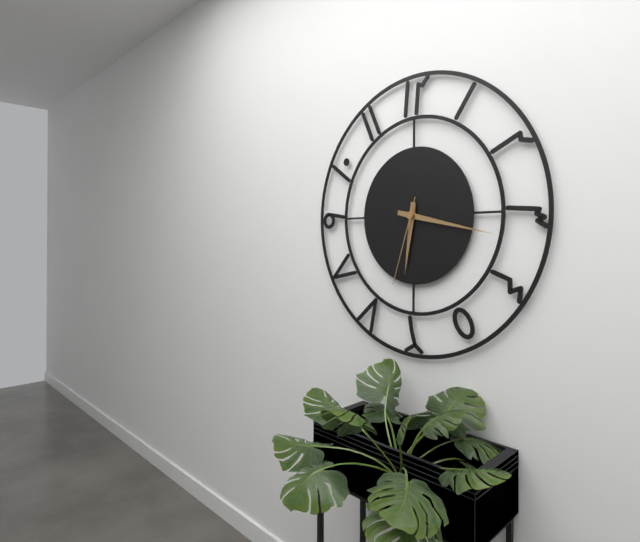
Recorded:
6.17.33
